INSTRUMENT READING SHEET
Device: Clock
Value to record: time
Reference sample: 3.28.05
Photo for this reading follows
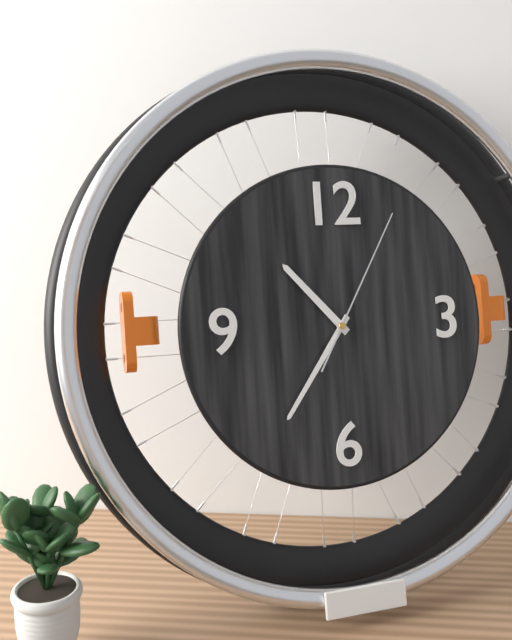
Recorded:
10.36.05
